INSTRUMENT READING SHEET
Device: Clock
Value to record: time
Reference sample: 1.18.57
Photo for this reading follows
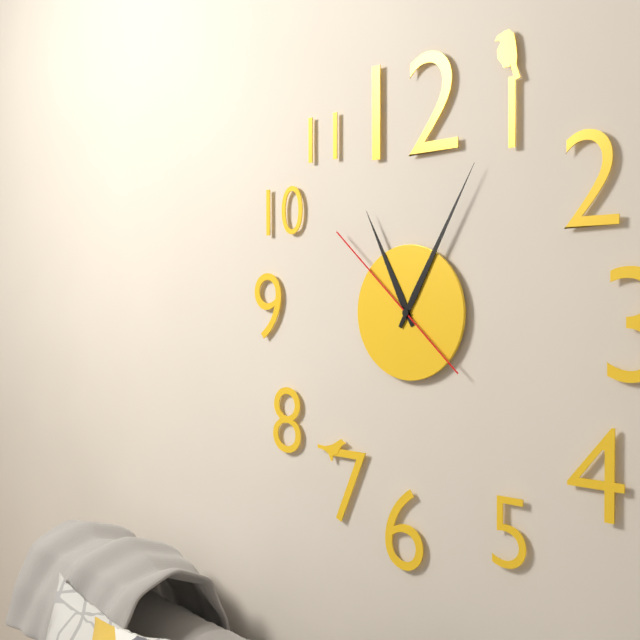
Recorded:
11.05.52
